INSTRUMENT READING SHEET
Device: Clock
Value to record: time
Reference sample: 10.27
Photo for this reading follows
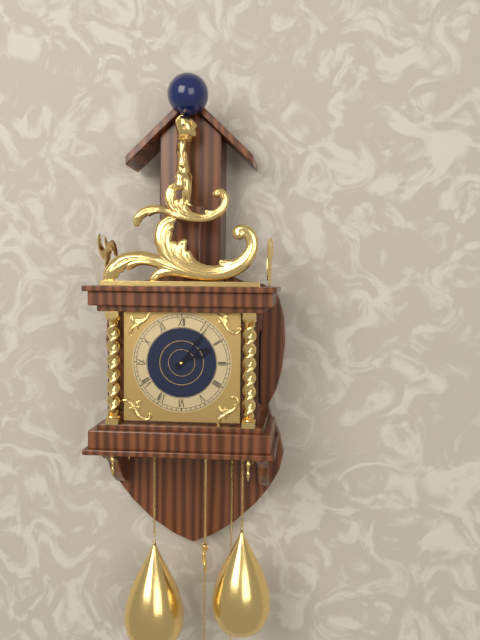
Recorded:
2.06
